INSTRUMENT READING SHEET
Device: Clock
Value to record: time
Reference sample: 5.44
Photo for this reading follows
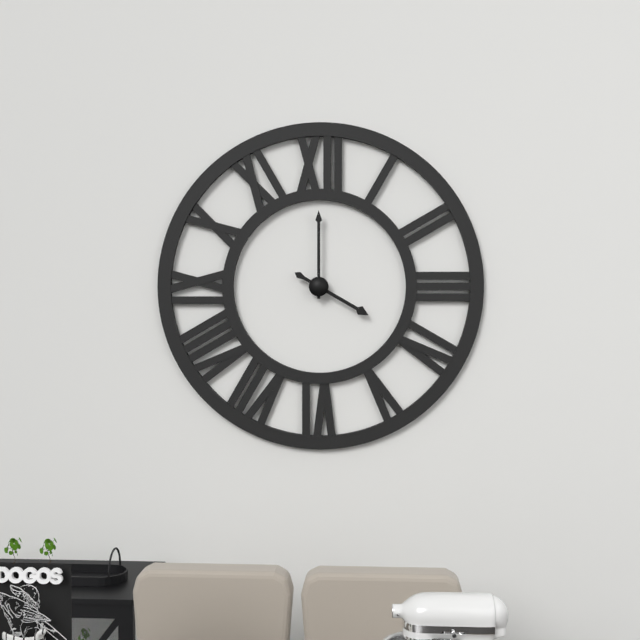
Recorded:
4.00
